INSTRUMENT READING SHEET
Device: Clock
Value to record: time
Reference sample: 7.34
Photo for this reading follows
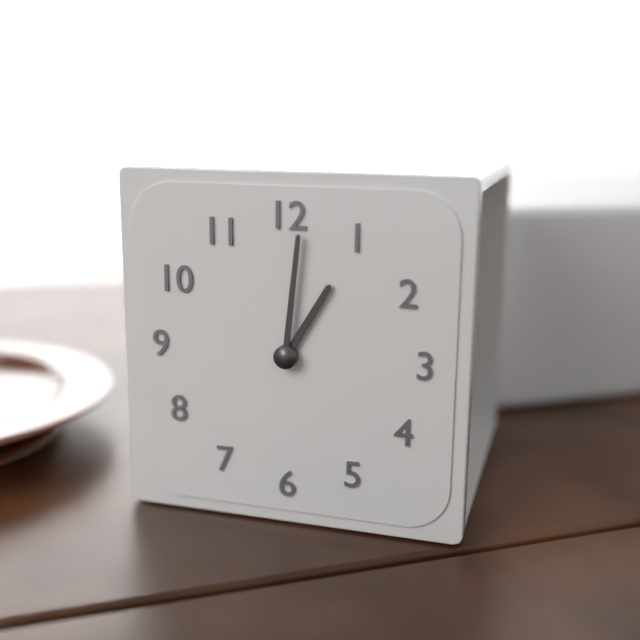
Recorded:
1.01
